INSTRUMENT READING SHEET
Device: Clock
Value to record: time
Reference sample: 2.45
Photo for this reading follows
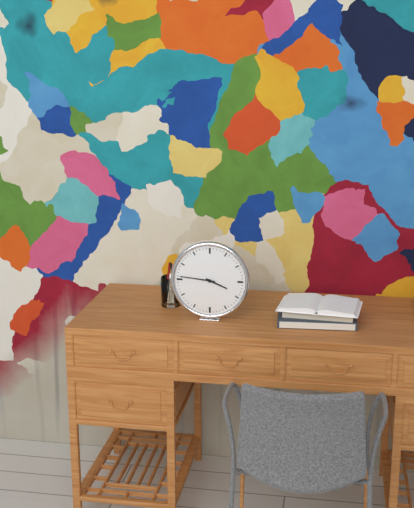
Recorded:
3.46
